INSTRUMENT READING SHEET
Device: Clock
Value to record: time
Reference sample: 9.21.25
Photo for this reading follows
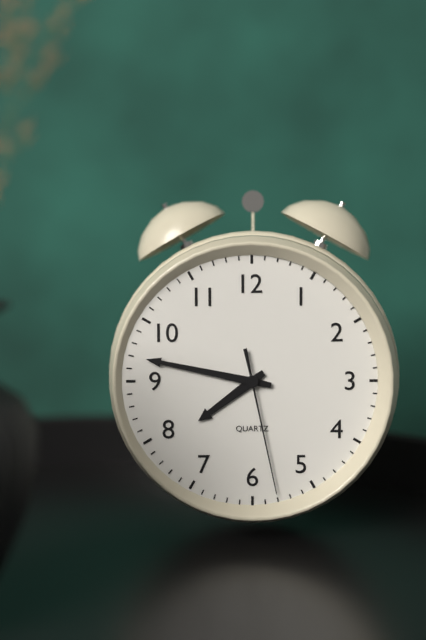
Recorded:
7.47.28
